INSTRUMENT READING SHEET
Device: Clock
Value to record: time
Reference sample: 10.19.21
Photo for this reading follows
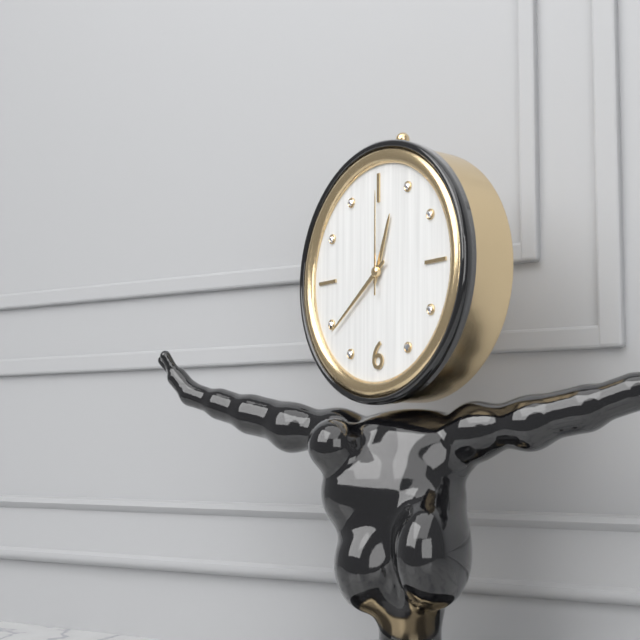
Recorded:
12.39.00
